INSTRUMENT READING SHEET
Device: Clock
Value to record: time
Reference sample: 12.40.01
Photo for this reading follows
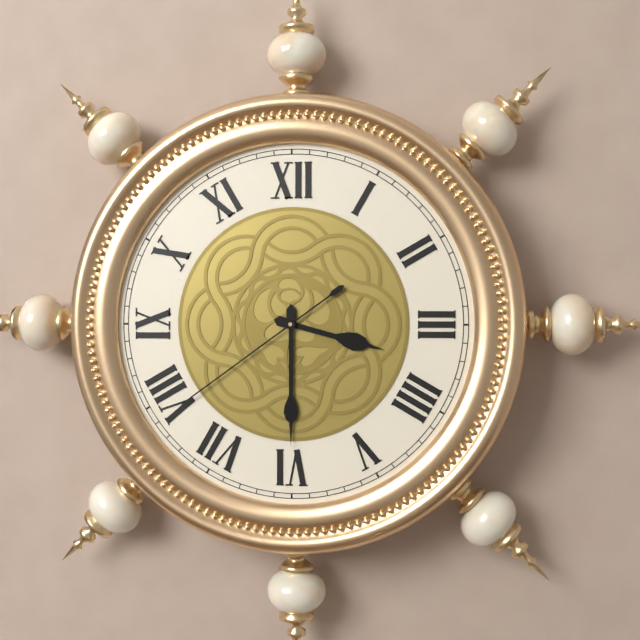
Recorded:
3.30.39
